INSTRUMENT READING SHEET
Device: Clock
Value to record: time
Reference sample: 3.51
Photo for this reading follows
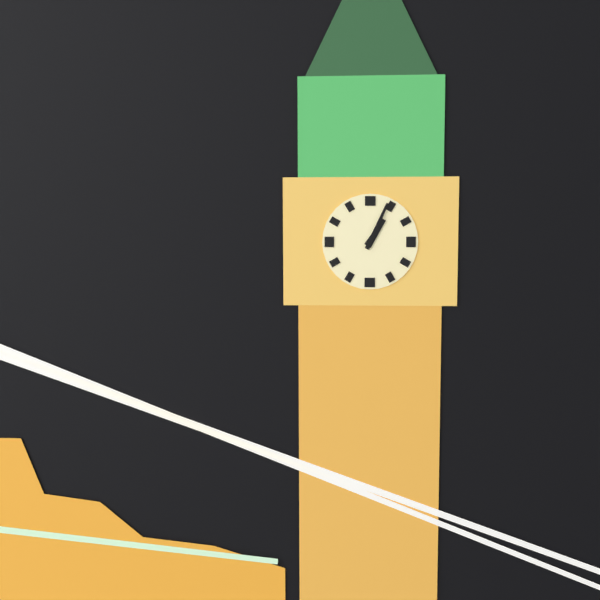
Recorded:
1.04
